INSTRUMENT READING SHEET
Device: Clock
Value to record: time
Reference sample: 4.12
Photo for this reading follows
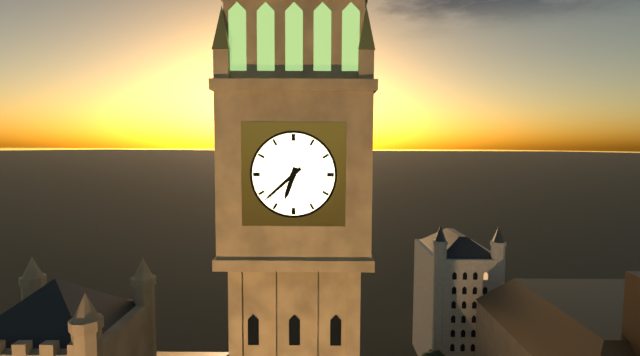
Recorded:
6.38
